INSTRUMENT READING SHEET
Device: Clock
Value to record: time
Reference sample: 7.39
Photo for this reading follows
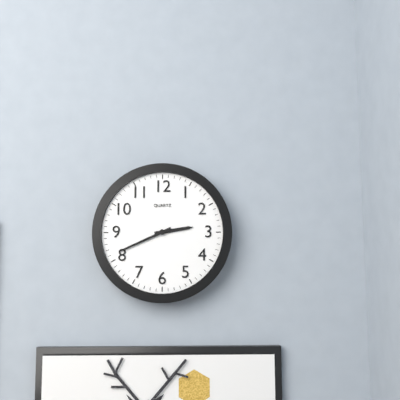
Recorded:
2.41
